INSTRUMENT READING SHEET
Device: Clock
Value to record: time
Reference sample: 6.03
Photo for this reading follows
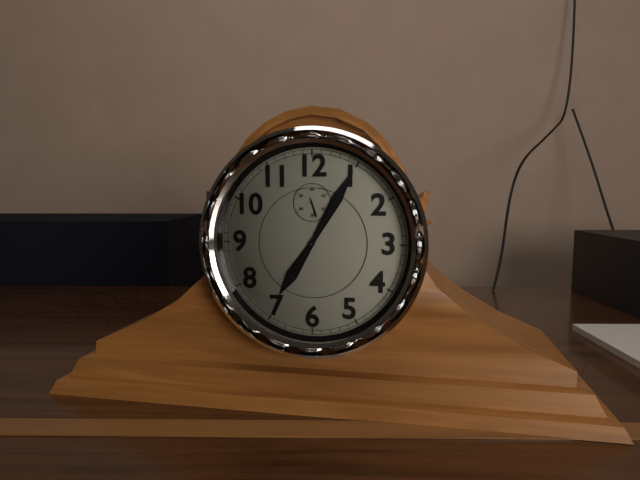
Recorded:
7.05
